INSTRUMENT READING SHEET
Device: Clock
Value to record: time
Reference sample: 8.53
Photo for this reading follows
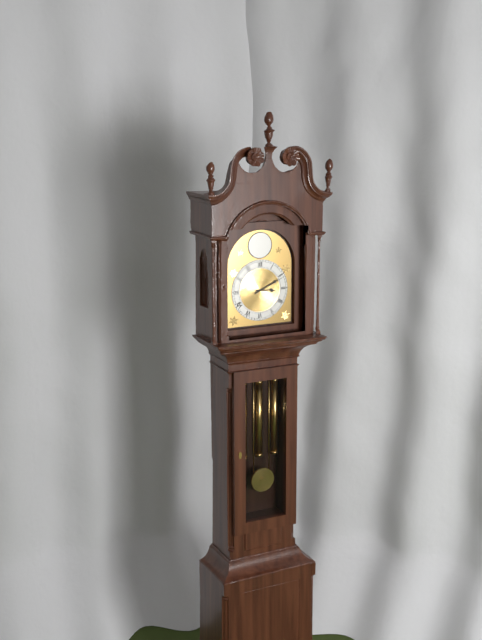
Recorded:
3.11
